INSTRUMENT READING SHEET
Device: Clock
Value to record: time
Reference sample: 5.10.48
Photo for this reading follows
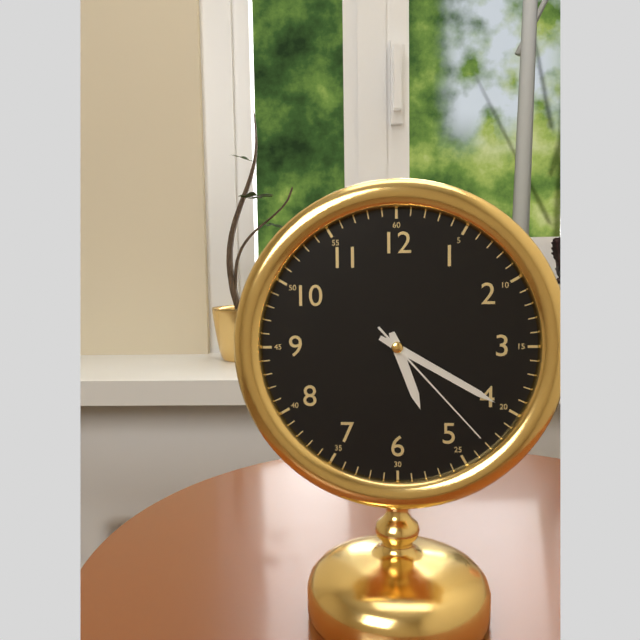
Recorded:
5.20.23
